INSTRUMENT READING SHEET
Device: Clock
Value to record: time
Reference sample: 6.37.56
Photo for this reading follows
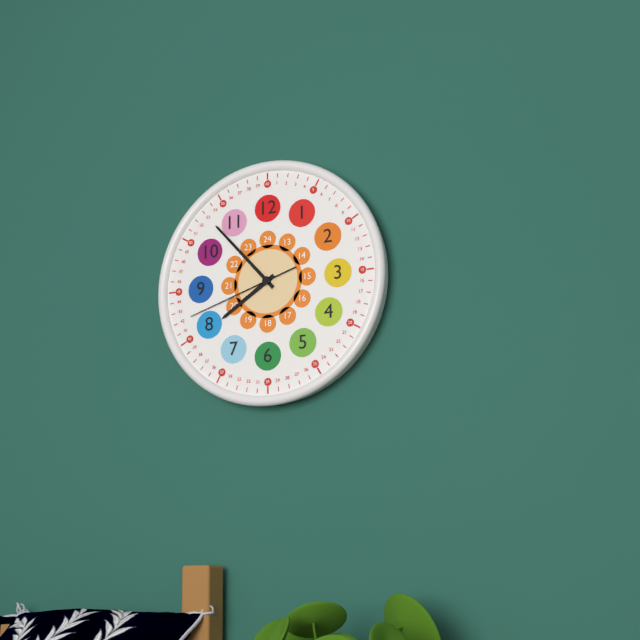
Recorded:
7.53.42
